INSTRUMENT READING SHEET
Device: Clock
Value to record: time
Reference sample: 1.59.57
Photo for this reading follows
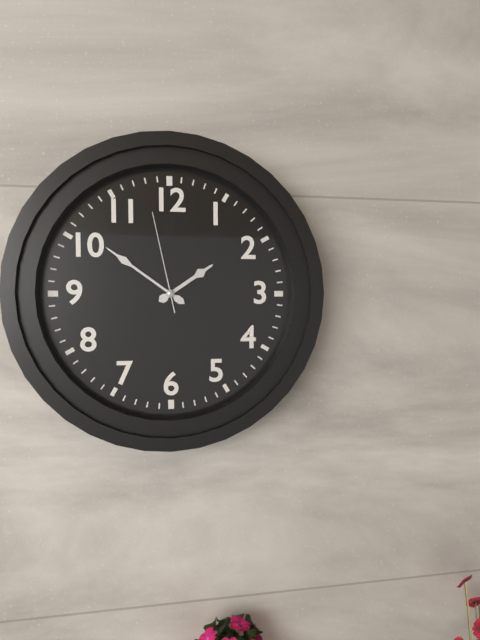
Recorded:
1.51.58
